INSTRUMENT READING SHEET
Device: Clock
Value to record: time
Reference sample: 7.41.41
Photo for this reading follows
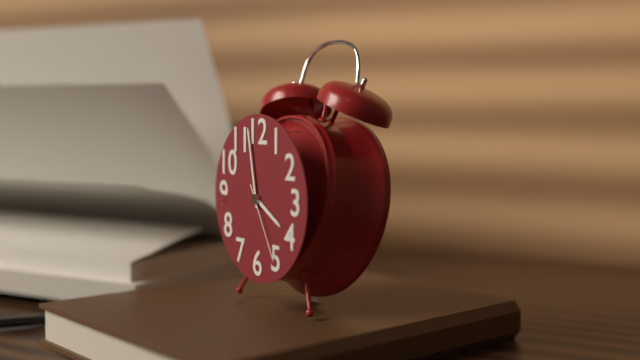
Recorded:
3.58.25
